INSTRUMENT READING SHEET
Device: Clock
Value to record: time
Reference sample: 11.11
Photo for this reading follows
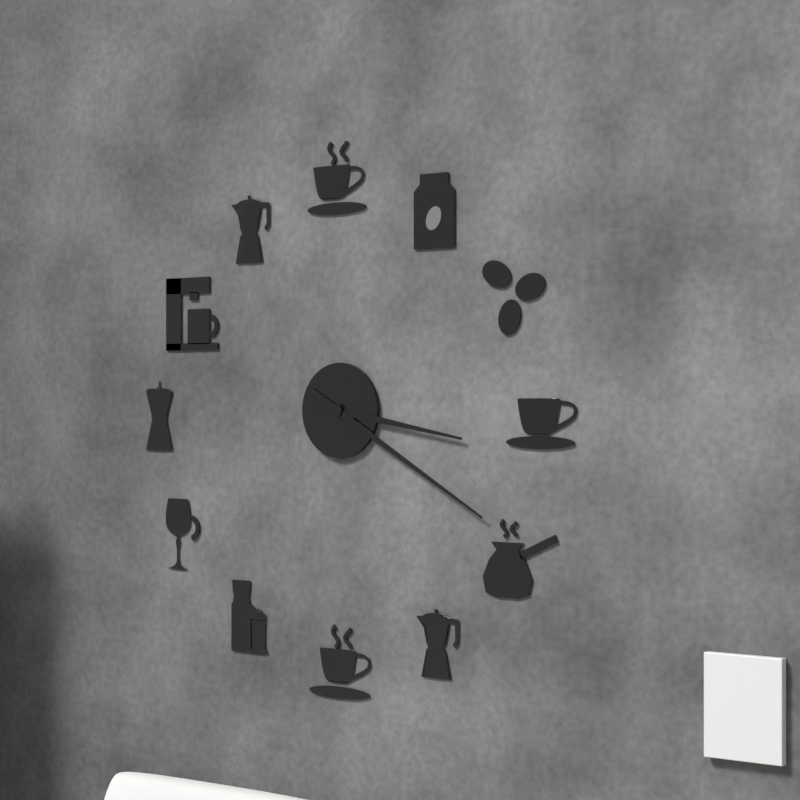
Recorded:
3.20
